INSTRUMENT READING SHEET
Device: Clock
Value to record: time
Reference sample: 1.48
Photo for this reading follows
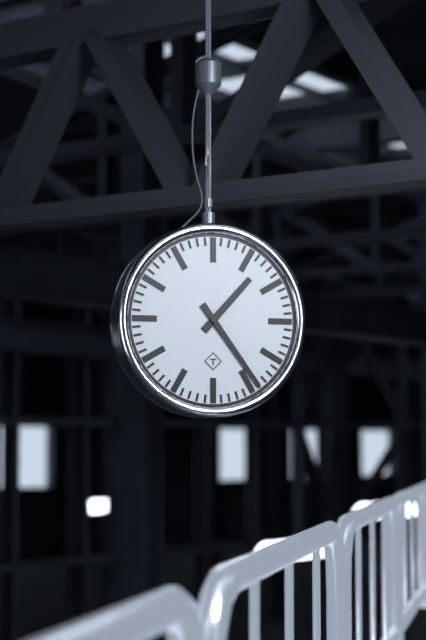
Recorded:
1.24
